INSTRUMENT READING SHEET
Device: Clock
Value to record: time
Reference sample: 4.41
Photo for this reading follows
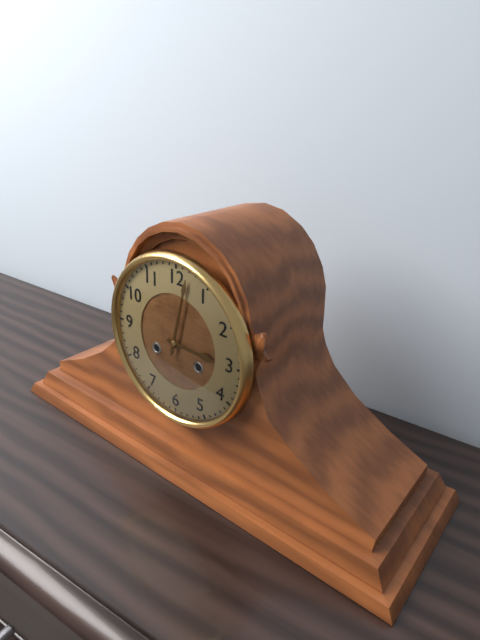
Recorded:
3.02
